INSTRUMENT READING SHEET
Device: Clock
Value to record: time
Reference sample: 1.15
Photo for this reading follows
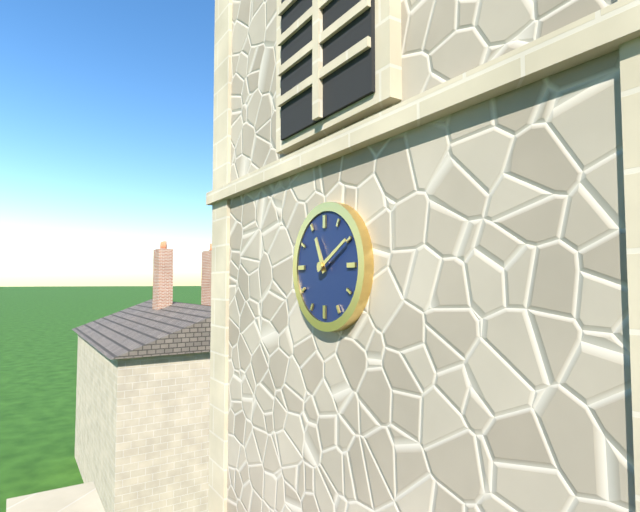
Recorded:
11.10
